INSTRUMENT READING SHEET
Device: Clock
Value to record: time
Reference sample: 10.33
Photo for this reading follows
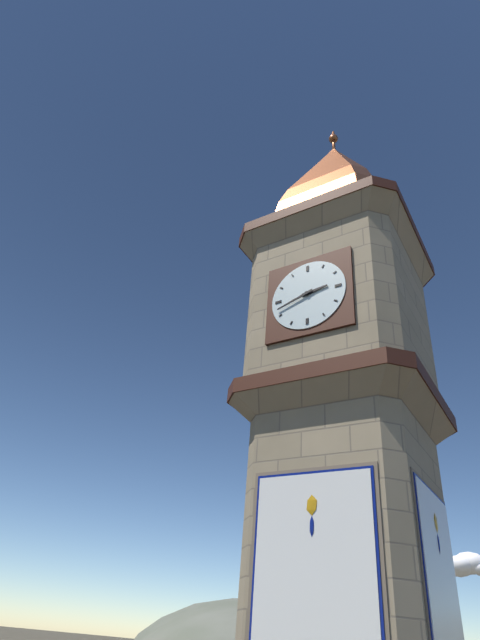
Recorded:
2.42
